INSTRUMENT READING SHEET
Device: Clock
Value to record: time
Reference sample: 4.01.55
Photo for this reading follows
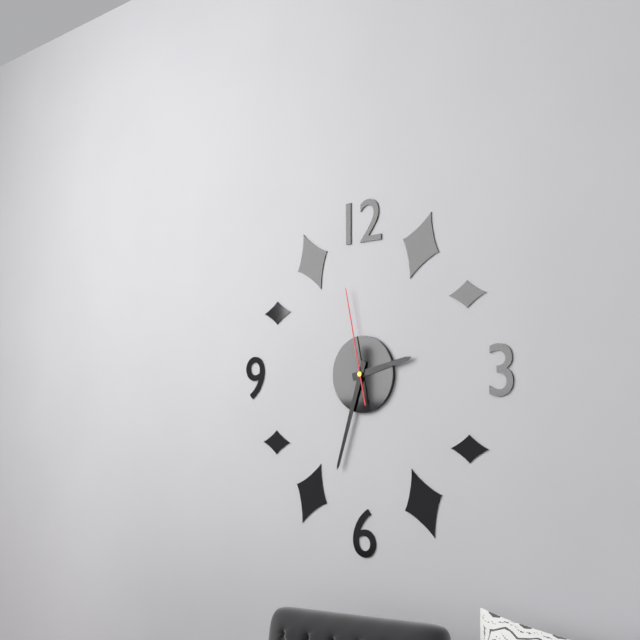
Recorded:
2.33.58
